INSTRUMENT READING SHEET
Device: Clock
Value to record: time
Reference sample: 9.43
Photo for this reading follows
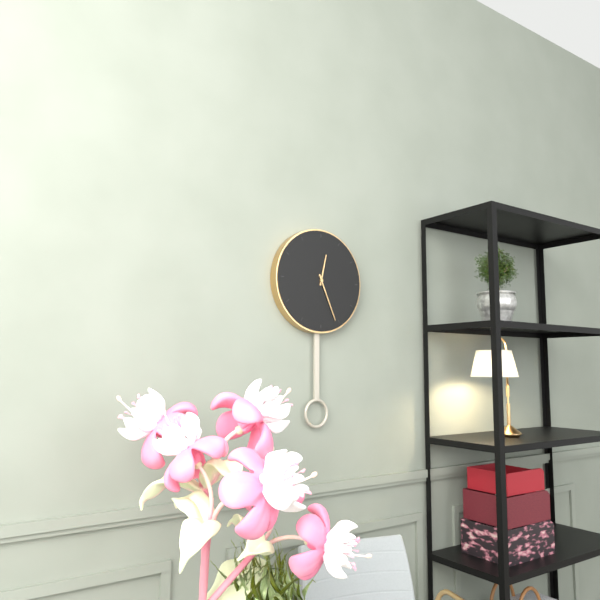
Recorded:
12.26
